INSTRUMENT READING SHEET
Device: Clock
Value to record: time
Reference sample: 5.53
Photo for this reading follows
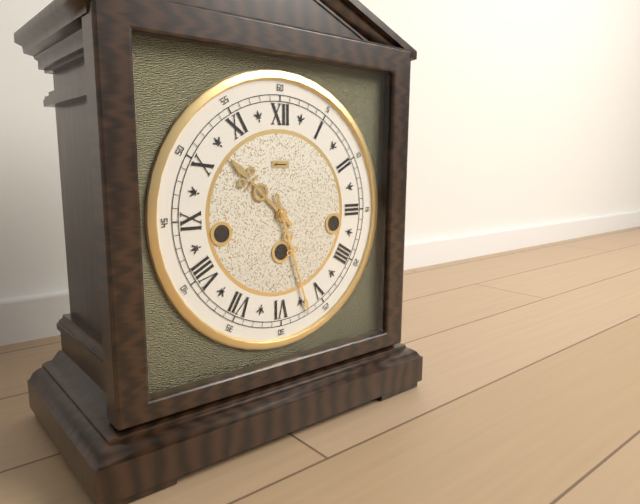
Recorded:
10.27
